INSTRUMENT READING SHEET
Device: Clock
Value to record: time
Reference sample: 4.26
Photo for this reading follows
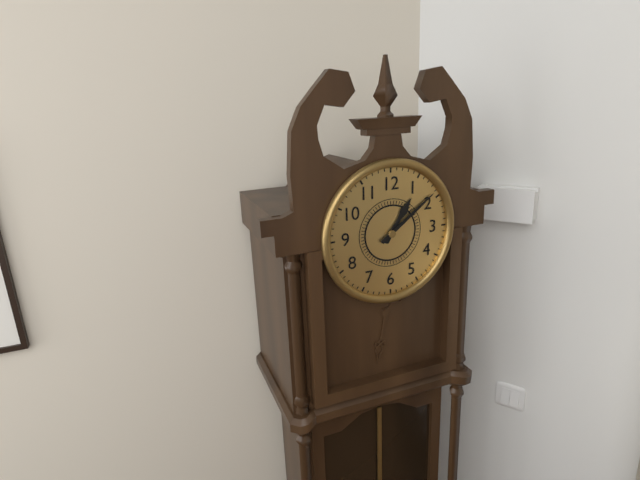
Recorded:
1.09
